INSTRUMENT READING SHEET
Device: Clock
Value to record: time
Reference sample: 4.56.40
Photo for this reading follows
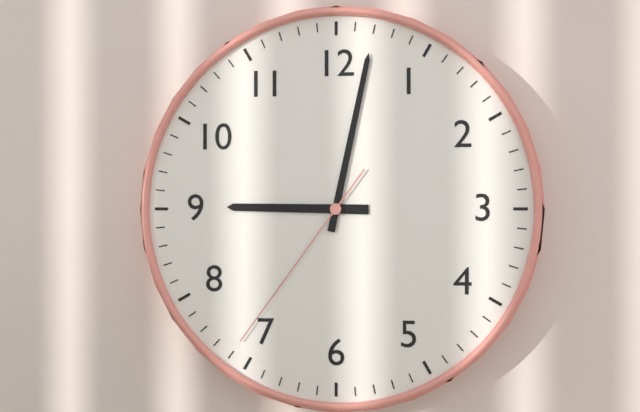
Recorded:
9.02.36
